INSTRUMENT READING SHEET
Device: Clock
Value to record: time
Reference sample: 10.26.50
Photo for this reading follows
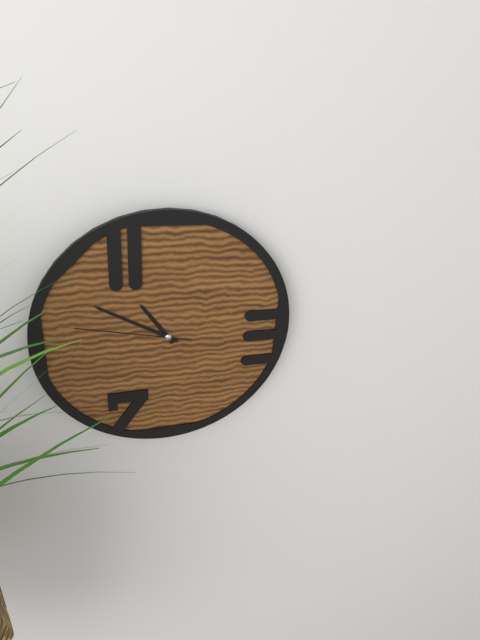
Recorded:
10.50.47
